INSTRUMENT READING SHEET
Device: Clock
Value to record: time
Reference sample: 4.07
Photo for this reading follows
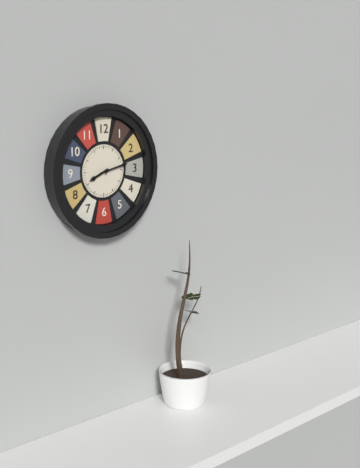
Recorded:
8.13
